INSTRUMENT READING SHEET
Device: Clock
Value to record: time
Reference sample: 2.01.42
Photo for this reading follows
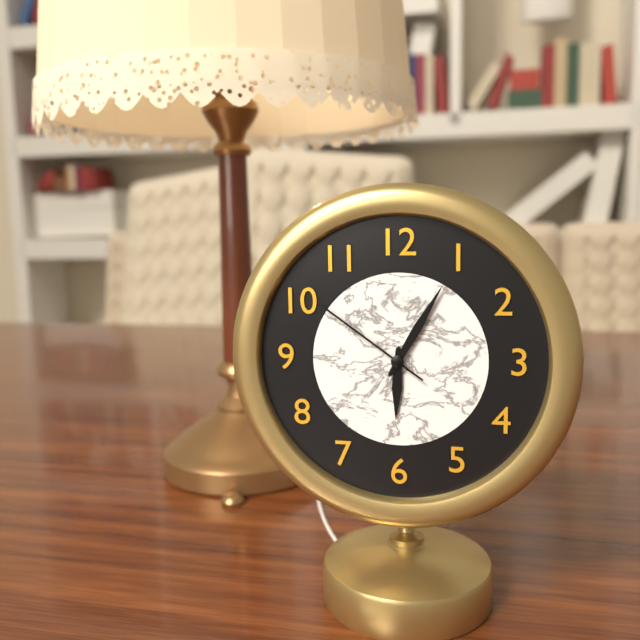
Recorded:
6.05.51
